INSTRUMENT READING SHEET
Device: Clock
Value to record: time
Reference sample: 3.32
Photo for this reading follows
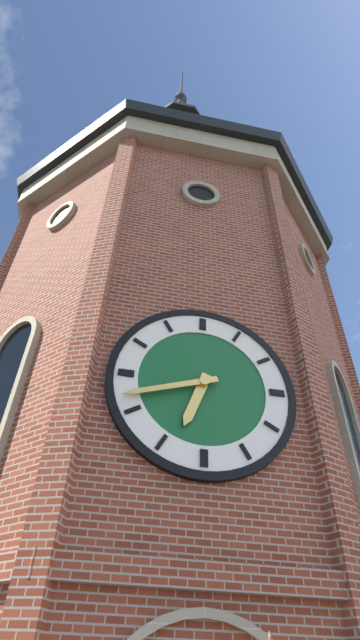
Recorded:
6.42
